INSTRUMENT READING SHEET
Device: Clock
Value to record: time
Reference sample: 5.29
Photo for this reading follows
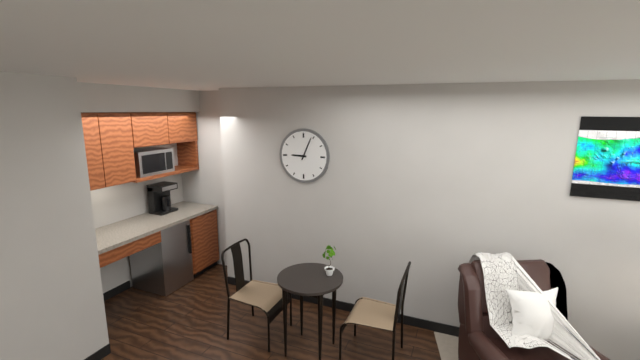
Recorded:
9.04
